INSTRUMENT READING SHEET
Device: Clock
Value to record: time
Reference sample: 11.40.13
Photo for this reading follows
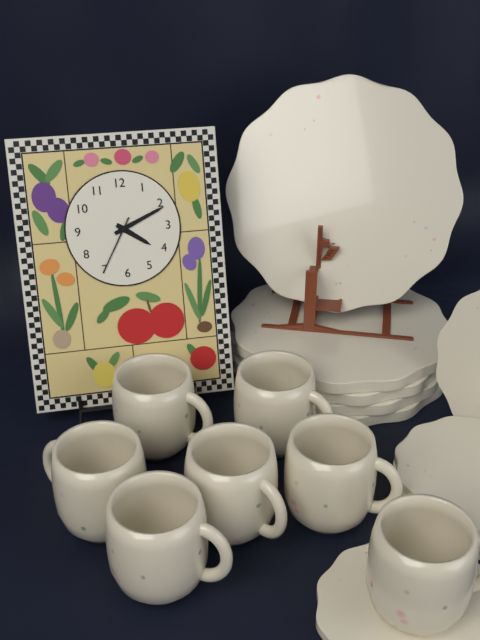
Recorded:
4.11.35
